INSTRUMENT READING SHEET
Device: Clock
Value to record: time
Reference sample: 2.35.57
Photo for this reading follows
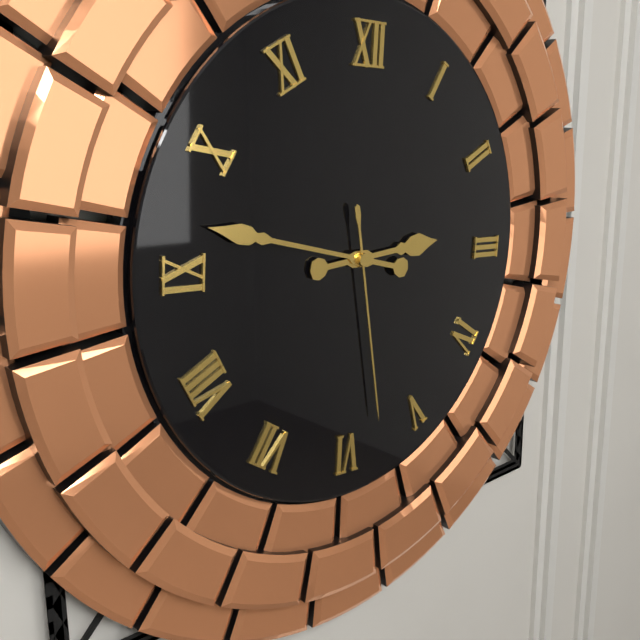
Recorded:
2.47.28
